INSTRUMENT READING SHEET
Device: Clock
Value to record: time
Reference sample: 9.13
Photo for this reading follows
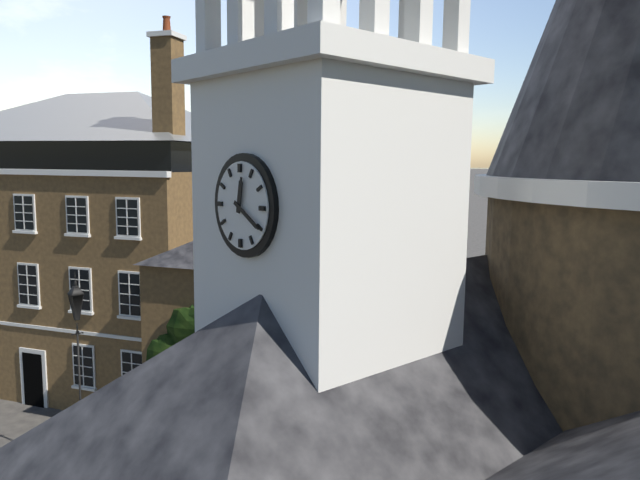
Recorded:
12.20
